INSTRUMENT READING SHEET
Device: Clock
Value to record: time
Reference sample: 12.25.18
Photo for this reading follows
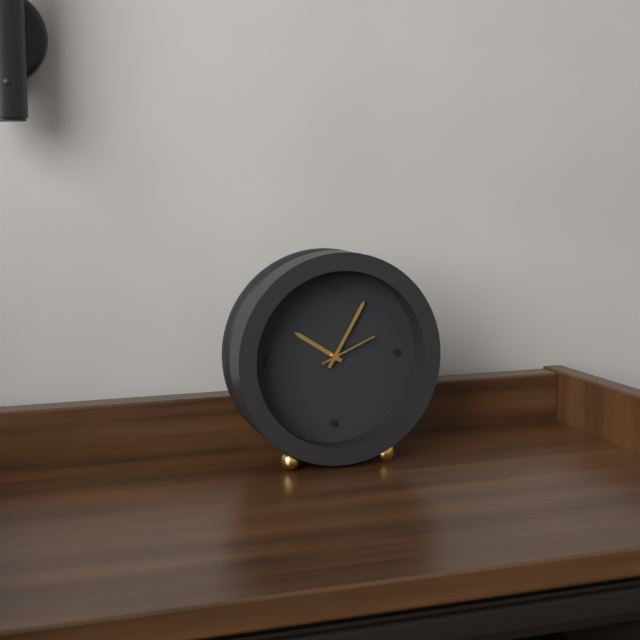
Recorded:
10.05.11
